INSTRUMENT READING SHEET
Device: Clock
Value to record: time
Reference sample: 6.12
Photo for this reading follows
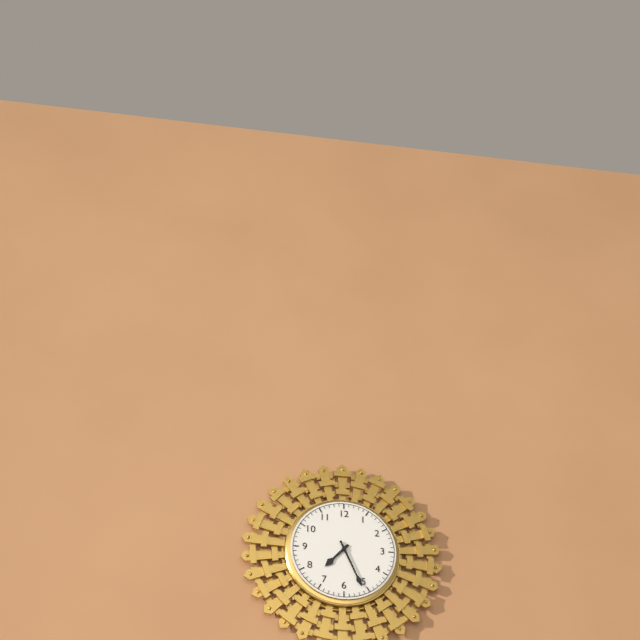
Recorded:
7.26
